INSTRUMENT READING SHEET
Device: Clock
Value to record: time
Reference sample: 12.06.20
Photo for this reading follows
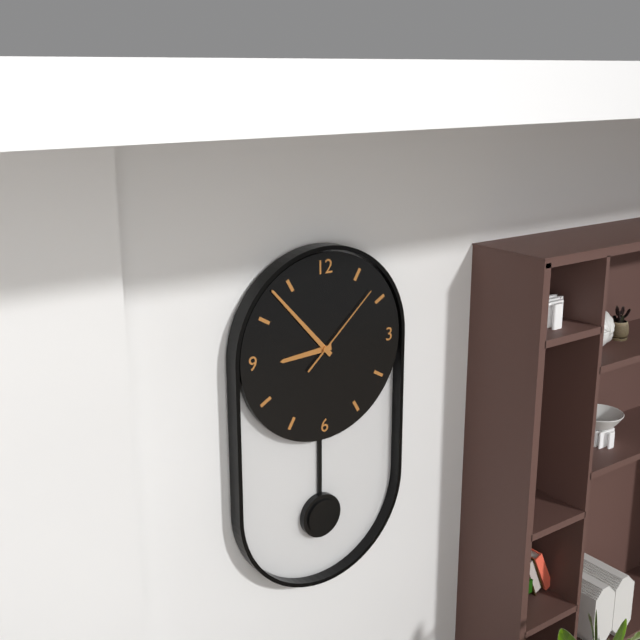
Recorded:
8.53.08
